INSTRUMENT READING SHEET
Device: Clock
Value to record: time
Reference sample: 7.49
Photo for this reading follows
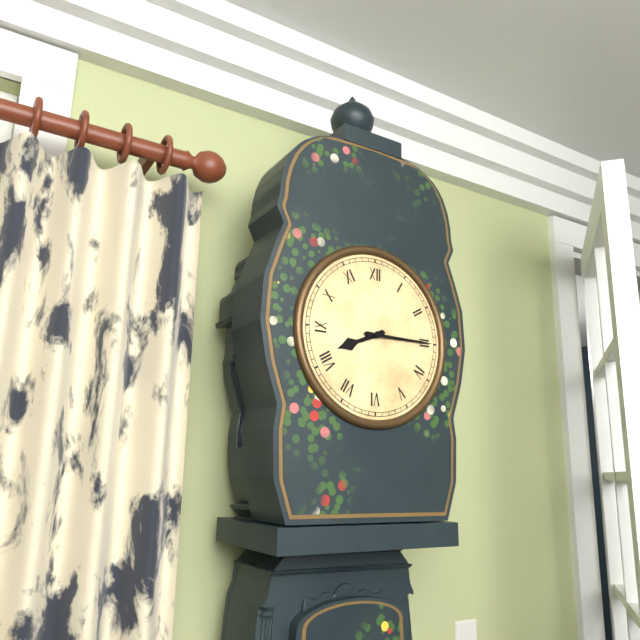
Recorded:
8.15
